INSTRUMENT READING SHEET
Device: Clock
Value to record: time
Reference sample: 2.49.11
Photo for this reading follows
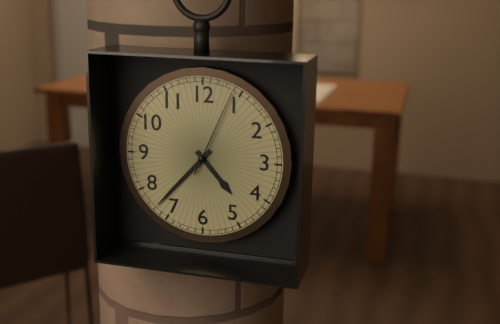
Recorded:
4.37.04
